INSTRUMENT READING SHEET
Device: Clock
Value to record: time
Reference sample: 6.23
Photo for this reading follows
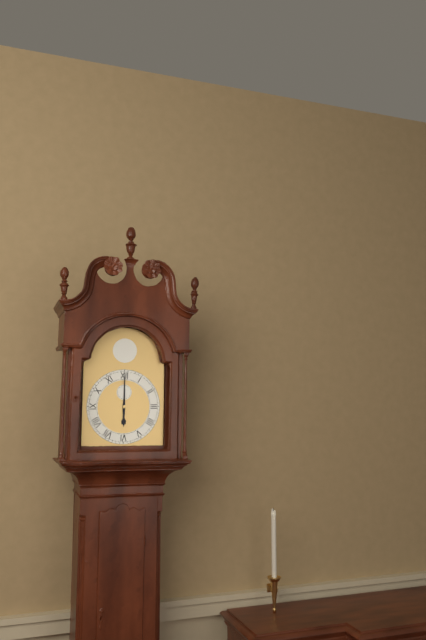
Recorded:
6.00
